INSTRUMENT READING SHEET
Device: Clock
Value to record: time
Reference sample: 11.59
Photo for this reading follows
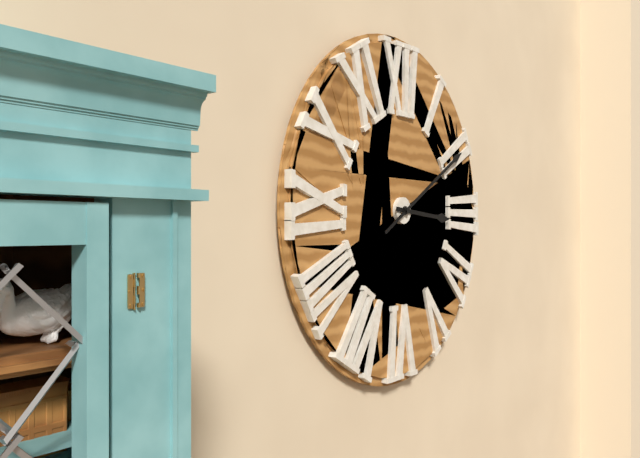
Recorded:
3.10
